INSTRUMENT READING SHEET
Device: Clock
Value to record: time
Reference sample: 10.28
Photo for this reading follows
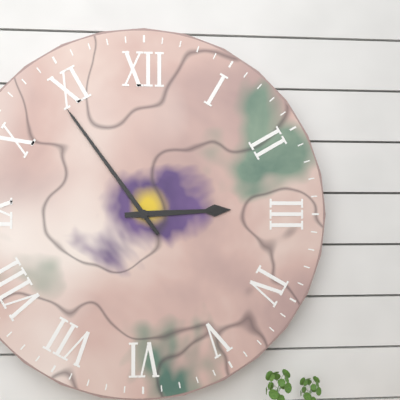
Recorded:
2.54
